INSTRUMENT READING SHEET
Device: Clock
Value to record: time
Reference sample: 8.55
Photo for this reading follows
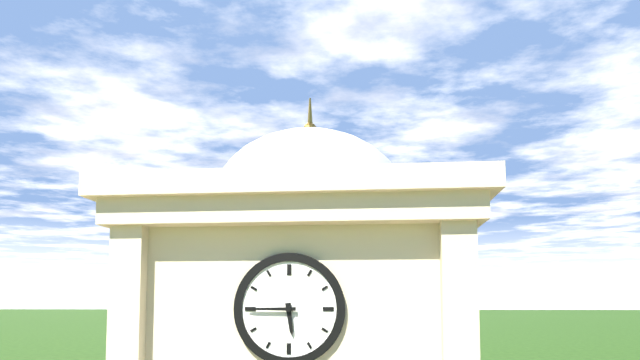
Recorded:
5.45
